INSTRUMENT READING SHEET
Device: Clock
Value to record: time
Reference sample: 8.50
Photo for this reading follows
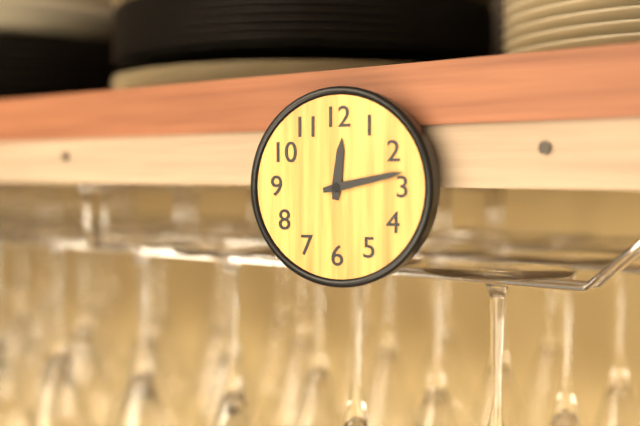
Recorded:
12.13
